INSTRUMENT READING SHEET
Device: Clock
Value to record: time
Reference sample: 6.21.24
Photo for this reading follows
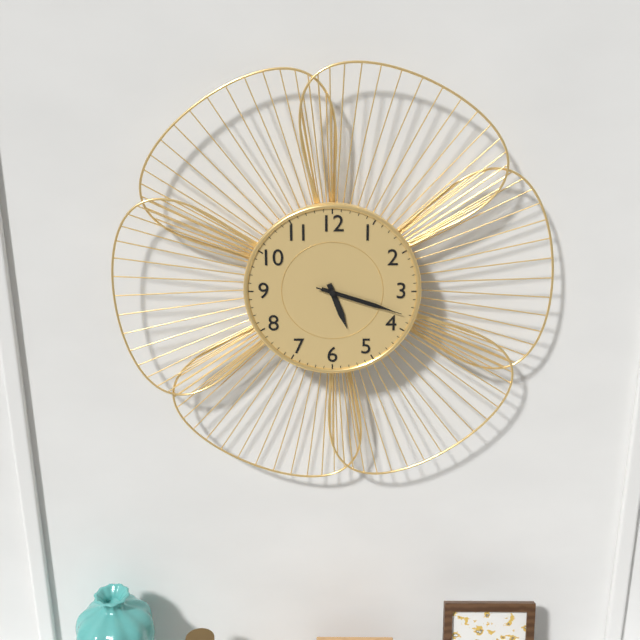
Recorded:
5.18.18
